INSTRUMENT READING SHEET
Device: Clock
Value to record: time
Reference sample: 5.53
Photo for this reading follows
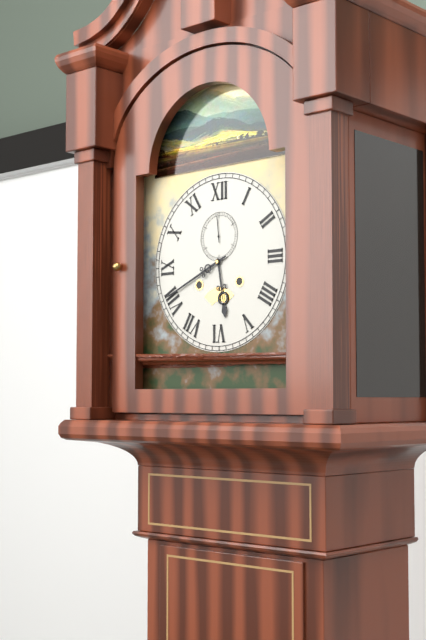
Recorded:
5.41
